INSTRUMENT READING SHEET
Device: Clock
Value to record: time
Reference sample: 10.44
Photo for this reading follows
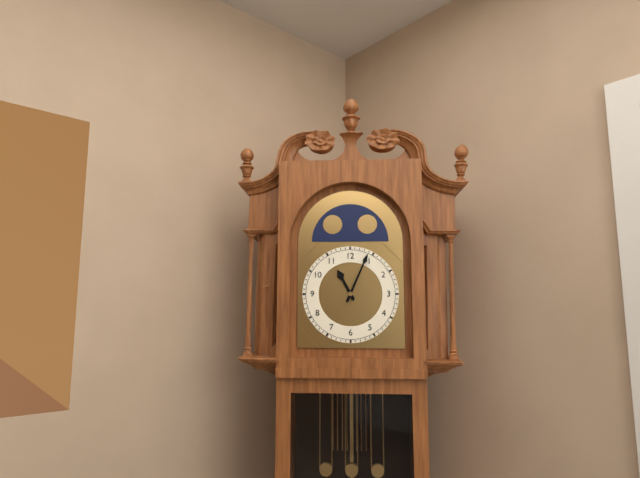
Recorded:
11.04
